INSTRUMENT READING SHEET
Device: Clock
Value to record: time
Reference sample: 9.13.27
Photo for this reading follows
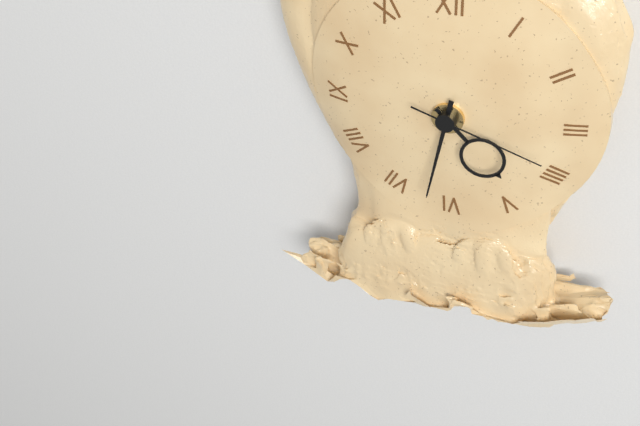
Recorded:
4.32.18
